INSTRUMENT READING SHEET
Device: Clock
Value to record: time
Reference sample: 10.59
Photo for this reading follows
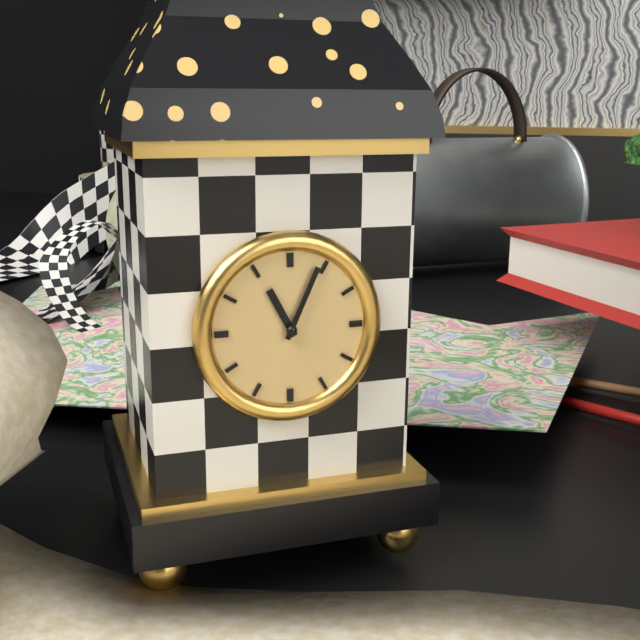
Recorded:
11.04
